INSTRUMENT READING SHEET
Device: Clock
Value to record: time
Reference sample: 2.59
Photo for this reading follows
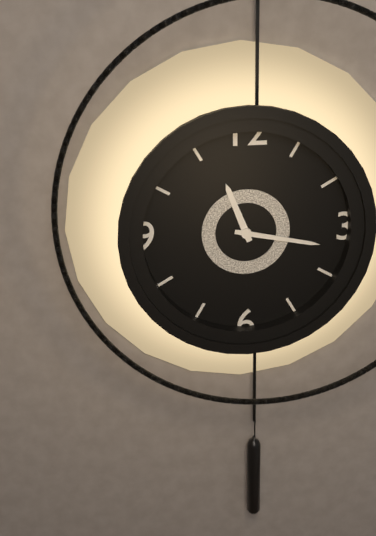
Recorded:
11.17
